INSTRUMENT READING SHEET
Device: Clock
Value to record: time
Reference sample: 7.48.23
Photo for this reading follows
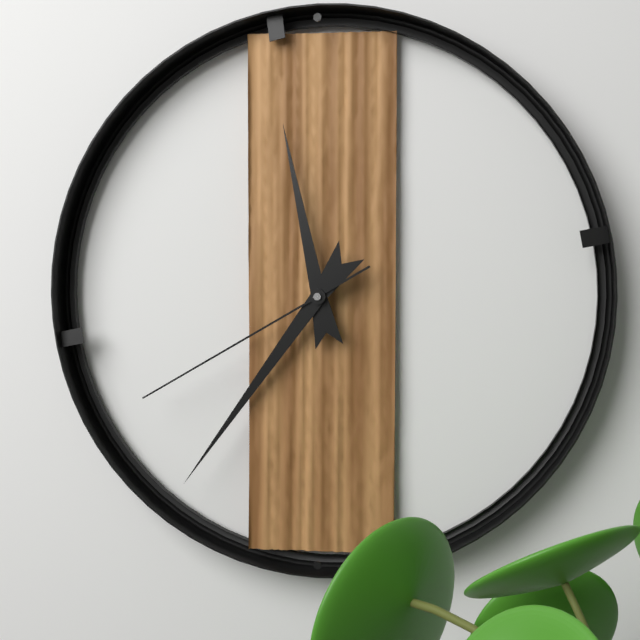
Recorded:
11.36.40
